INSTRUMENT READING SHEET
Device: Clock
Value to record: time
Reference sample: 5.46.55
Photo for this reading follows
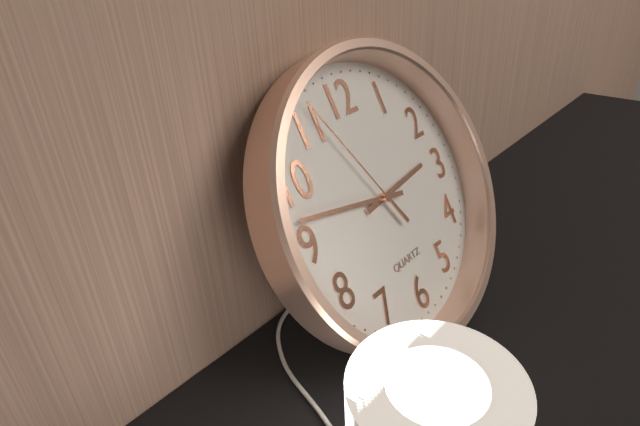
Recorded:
2.47.56
